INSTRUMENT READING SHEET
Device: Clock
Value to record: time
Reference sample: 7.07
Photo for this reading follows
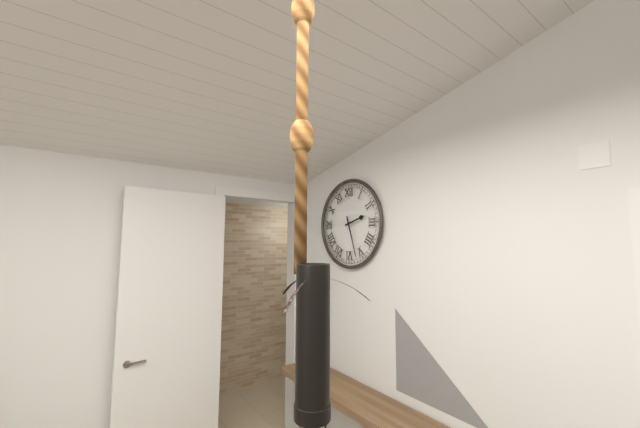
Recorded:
2.27
